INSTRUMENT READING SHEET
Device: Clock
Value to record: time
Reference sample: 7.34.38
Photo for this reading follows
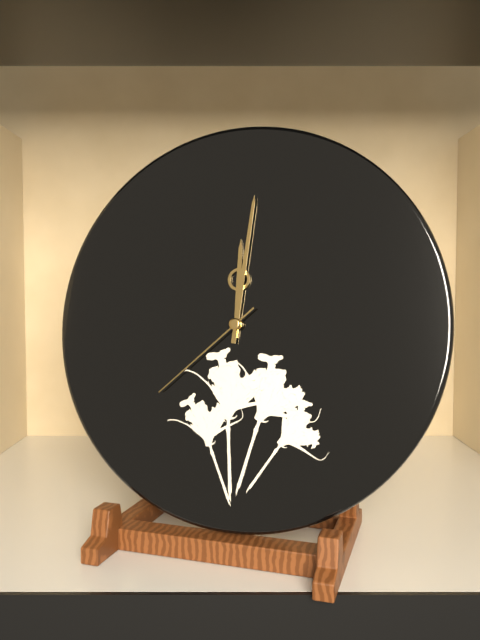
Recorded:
12.01.38
